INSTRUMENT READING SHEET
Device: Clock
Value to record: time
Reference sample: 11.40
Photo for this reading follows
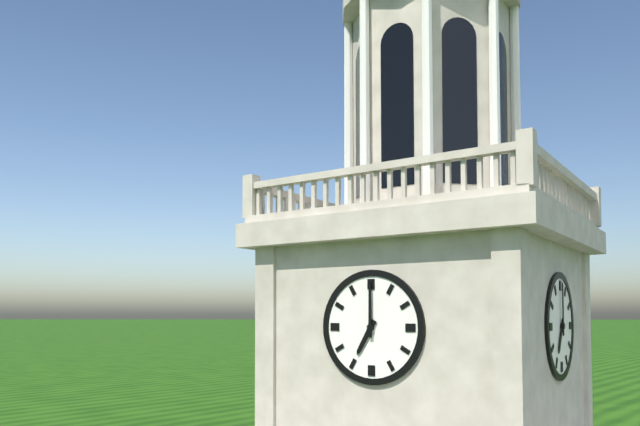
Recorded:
7.00
